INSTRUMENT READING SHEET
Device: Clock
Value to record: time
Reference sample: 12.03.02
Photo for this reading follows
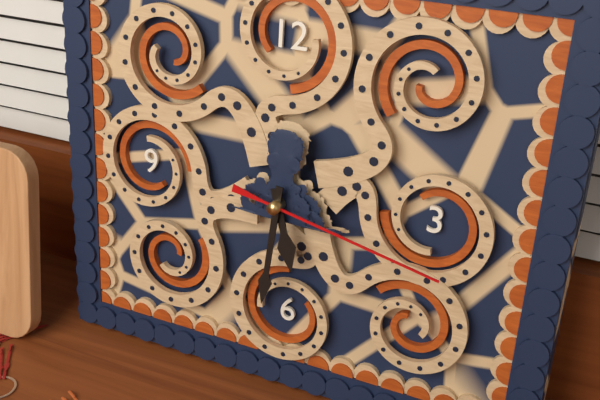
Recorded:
5.31.17
